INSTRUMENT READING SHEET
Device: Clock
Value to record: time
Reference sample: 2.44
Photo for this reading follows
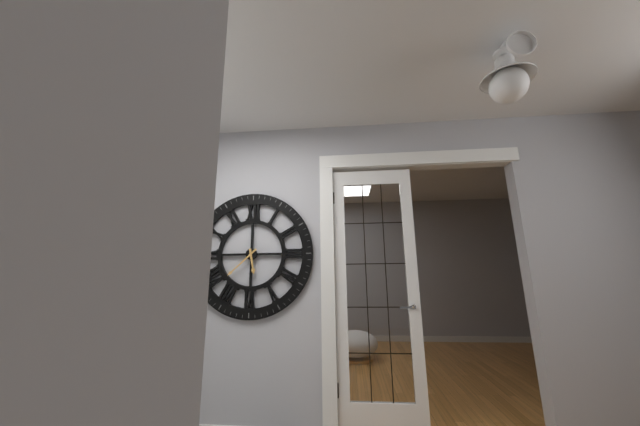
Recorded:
5.38
